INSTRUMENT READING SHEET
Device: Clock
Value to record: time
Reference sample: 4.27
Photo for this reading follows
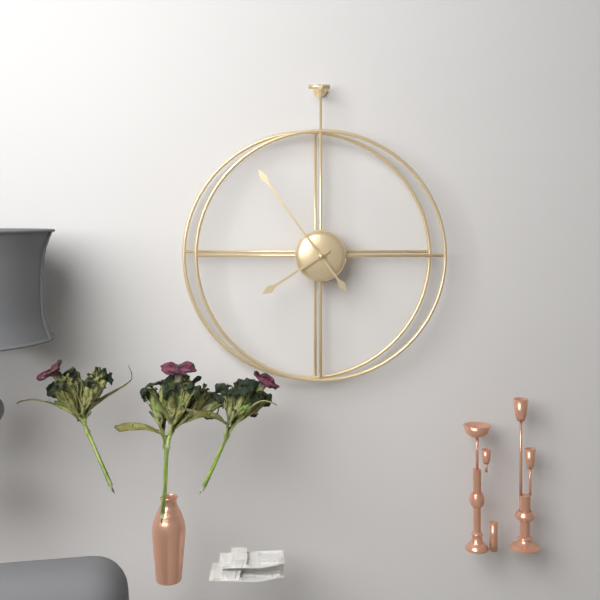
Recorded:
7.54
